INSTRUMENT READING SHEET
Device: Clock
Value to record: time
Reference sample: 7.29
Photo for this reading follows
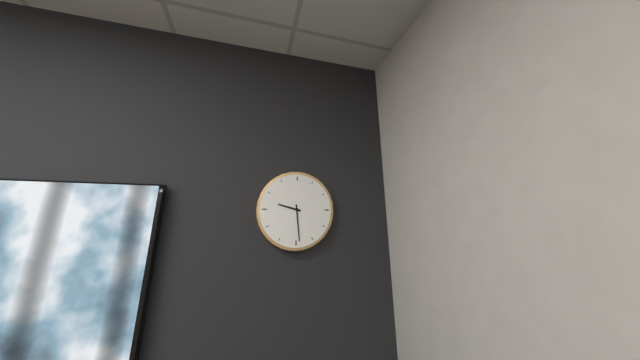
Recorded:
9.29
